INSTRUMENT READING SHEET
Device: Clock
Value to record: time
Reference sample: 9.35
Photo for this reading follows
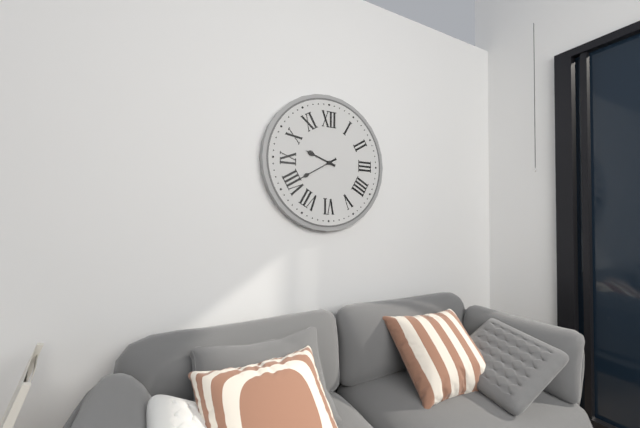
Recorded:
9.40
